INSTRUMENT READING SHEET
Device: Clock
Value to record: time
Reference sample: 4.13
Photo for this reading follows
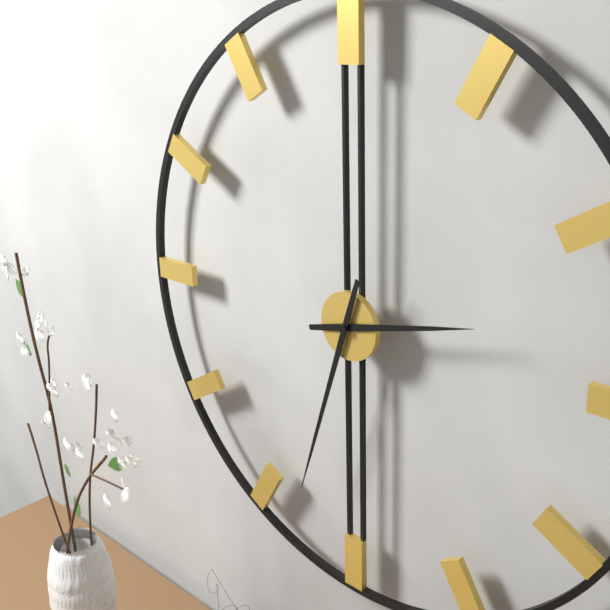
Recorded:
2.33
